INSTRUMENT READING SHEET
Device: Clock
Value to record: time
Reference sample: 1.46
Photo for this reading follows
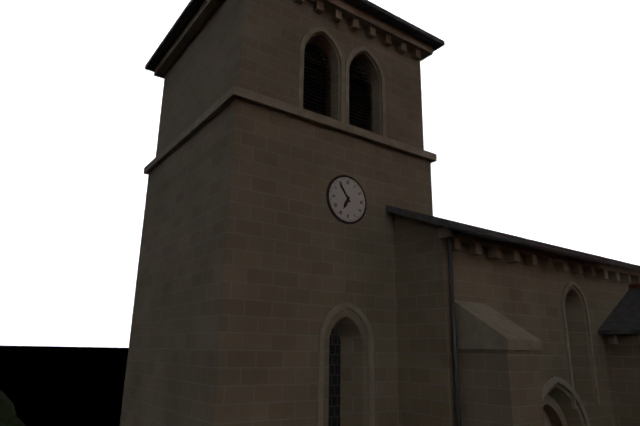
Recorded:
6.54
